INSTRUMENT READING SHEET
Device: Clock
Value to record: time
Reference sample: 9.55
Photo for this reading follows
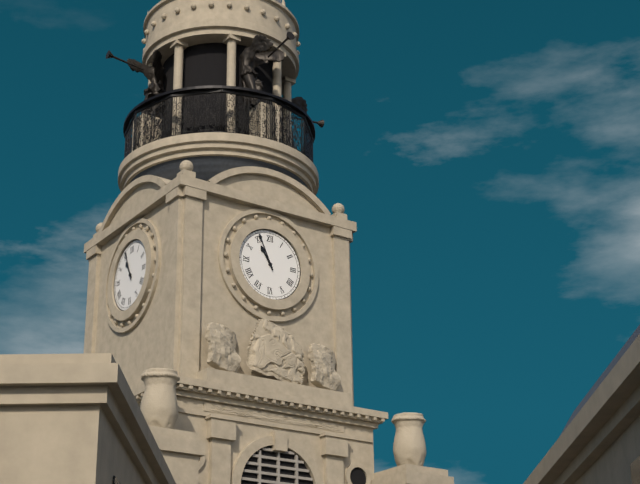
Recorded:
10.56
